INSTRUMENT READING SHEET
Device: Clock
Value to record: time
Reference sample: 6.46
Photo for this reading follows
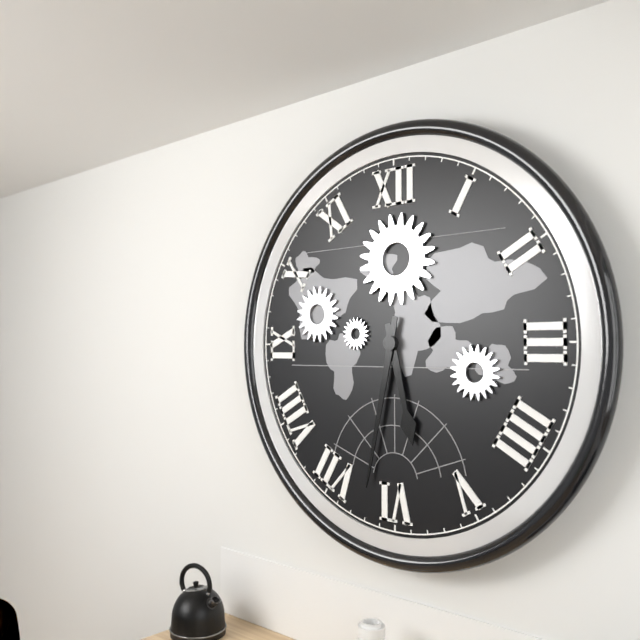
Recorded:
5.32
